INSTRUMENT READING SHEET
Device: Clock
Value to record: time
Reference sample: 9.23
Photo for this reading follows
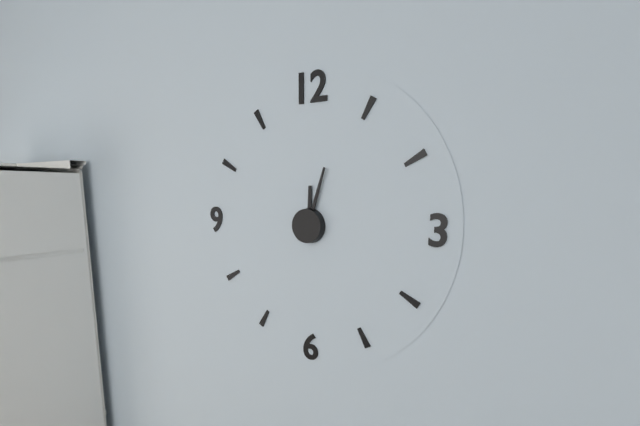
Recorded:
12.03
